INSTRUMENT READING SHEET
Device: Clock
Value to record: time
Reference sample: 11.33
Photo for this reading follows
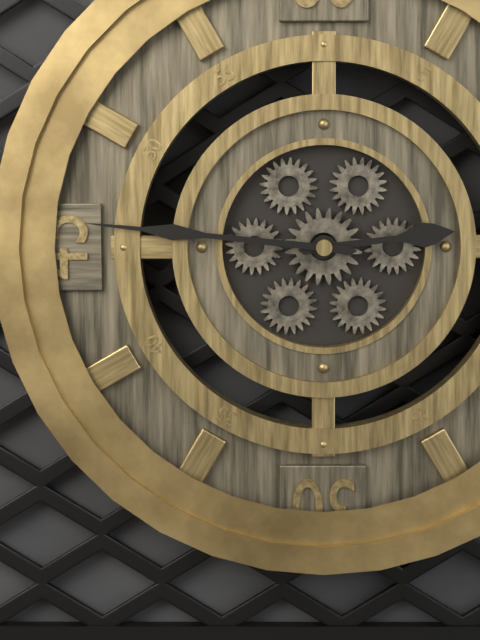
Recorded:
2.46
